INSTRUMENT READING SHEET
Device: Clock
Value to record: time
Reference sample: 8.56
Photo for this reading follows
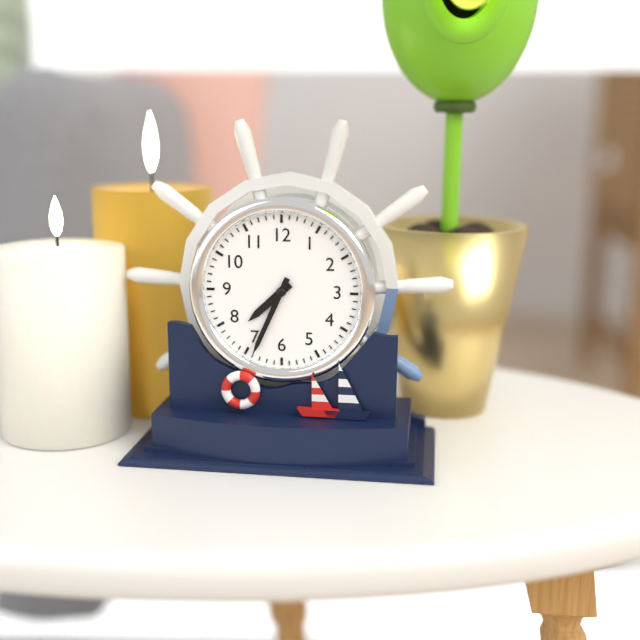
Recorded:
7.34
